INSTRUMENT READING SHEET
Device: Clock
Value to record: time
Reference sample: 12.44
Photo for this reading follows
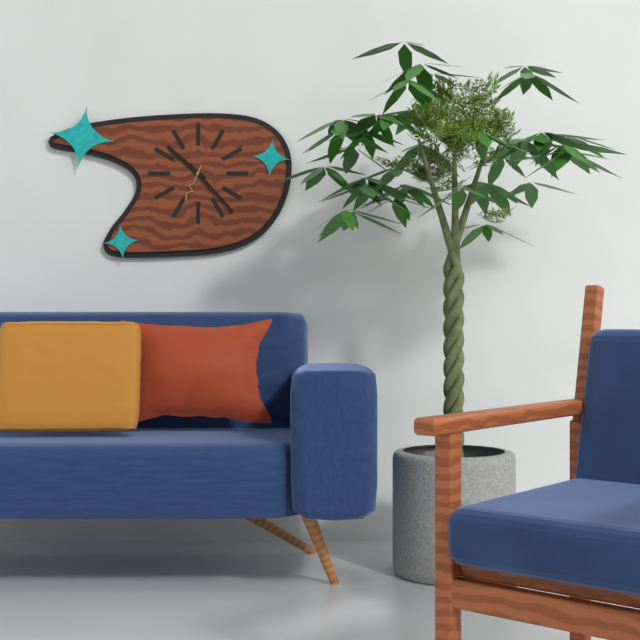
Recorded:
10.23
